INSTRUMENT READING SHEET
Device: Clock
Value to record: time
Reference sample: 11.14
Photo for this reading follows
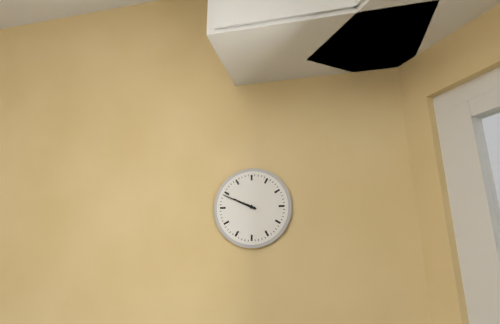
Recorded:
9.49
